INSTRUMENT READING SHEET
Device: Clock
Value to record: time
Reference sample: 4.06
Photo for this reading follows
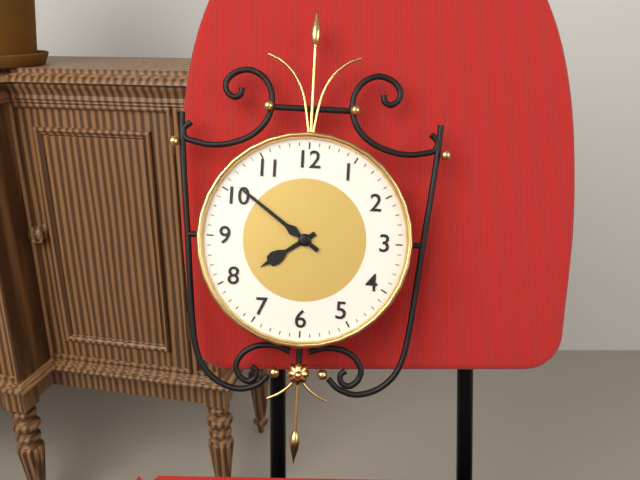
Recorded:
7.51
